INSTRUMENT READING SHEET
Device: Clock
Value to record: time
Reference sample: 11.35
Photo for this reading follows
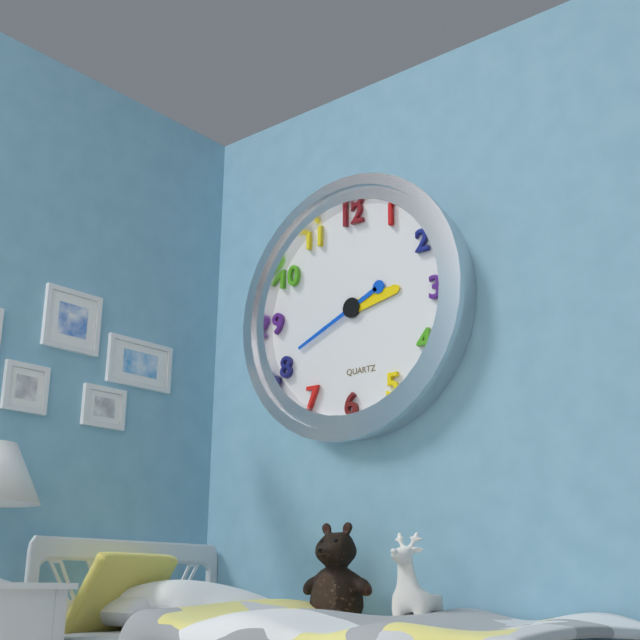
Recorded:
2.41
